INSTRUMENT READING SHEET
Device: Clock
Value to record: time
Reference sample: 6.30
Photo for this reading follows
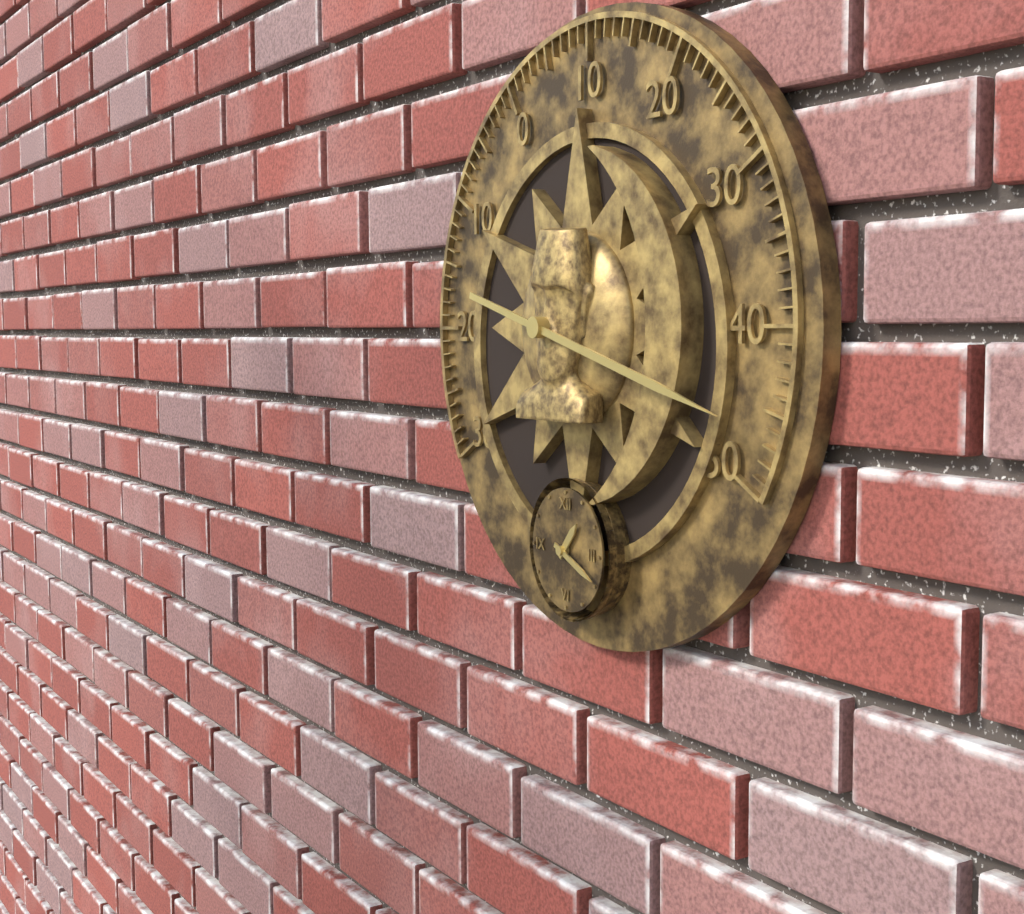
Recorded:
1.19
